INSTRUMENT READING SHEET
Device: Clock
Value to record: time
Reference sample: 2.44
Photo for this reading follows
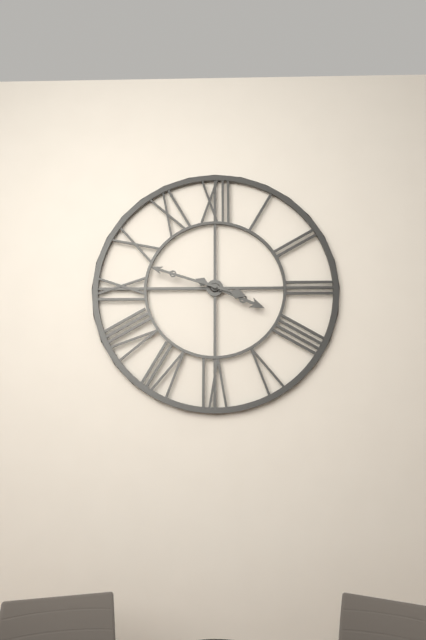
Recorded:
3.48
